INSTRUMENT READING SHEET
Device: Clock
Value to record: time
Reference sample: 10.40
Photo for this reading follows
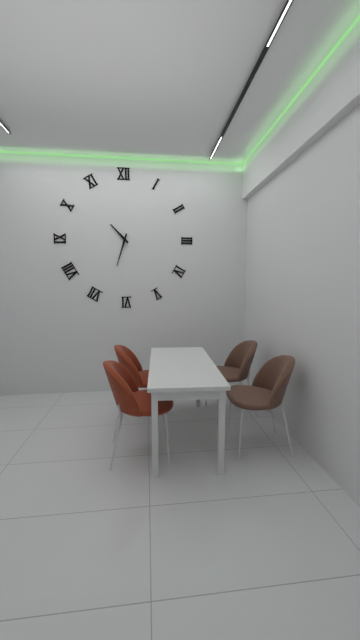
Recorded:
10.33
